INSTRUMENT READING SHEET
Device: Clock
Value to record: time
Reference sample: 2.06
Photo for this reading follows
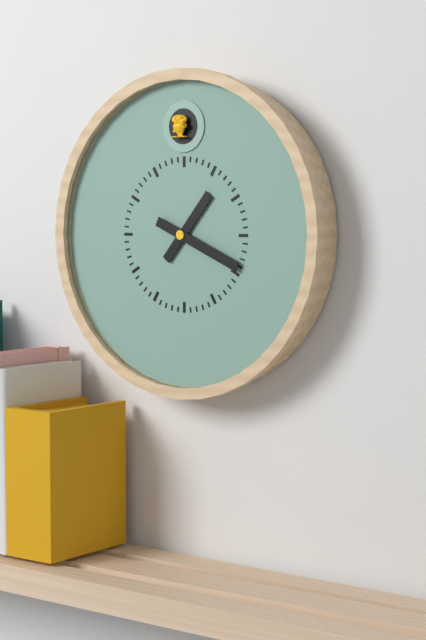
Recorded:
1.19
